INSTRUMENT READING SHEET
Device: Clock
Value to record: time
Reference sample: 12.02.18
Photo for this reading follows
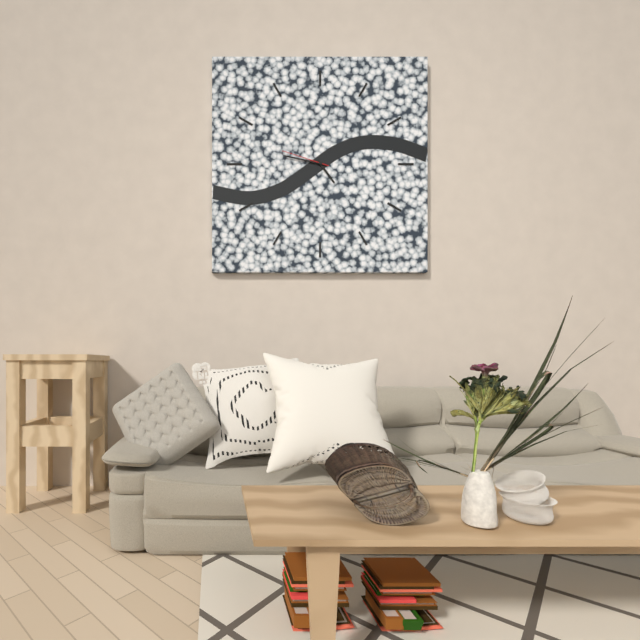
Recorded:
4.47.48
